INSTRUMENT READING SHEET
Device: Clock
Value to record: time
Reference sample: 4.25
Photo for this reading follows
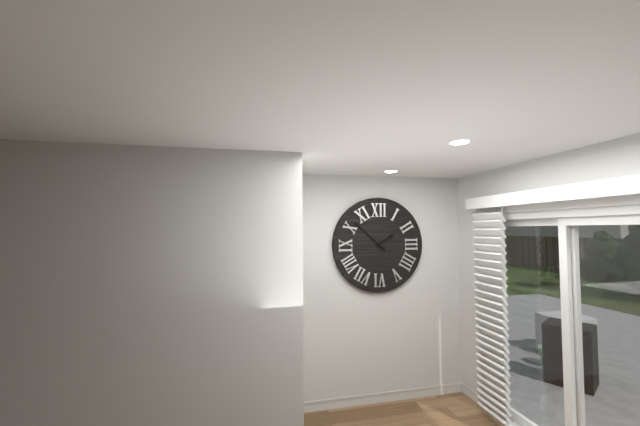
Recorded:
1.52
